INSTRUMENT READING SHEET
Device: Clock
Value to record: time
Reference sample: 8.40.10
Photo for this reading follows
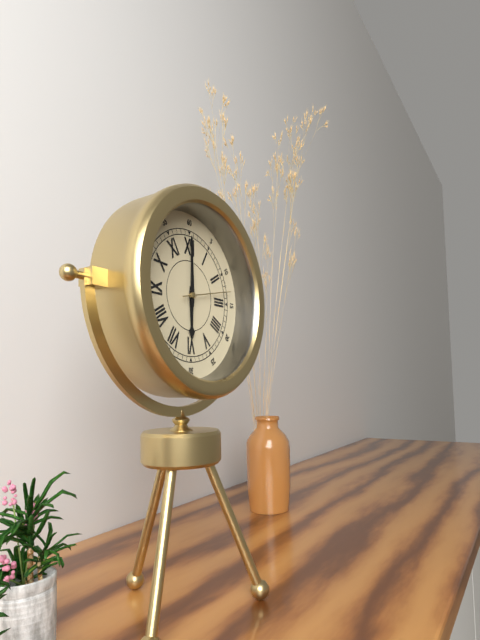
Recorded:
6.00.13
